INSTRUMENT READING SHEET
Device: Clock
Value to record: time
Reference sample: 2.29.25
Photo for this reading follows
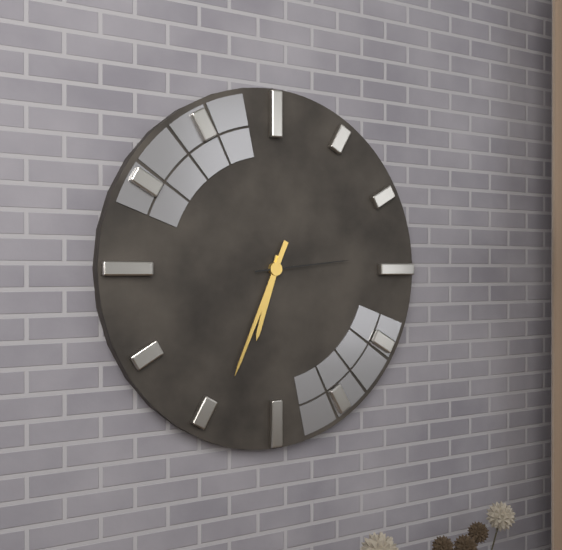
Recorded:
6.34.14
